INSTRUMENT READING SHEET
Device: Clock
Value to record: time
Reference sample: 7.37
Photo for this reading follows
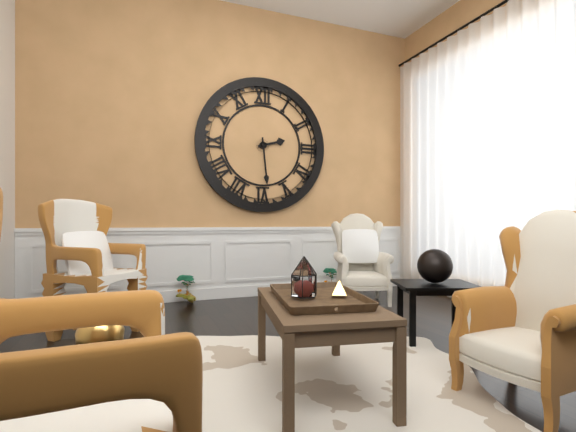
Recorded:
2.29
